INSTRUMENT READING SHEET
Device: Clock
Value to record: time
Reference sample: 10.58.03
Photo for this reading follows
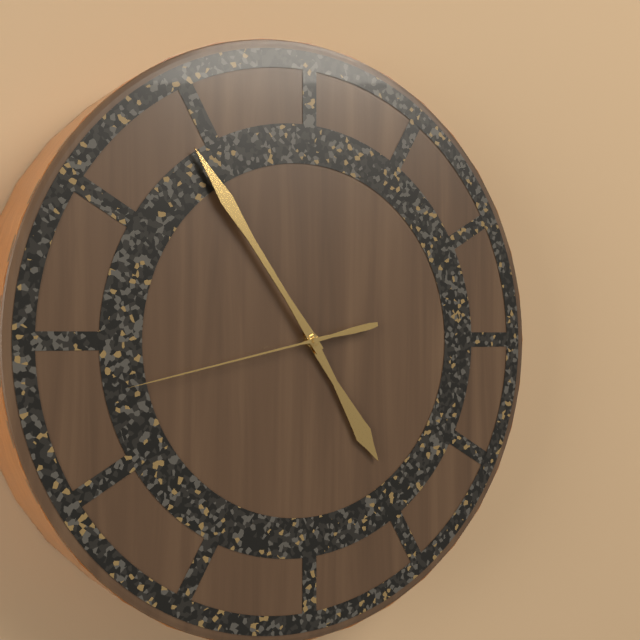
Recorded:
4.54.43
